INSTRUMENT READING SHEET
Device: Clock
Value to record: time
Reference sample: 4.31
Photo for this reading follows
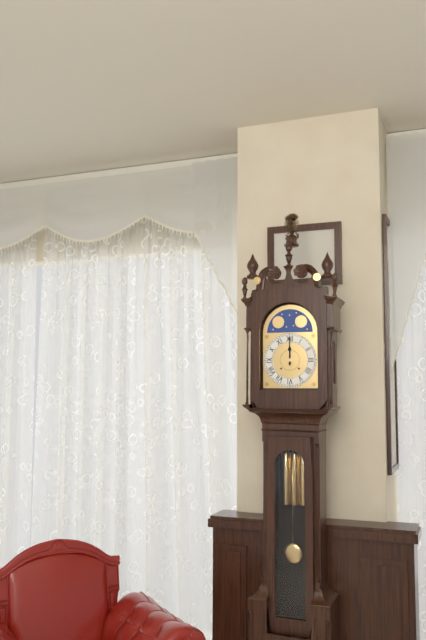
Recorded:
12.00
